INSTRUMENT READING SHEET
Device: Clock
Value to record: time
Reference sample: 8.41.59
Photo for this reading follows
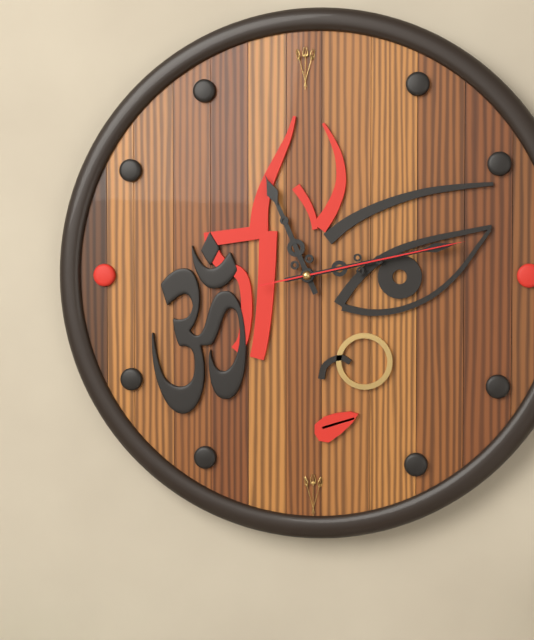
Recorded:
11.13.13
